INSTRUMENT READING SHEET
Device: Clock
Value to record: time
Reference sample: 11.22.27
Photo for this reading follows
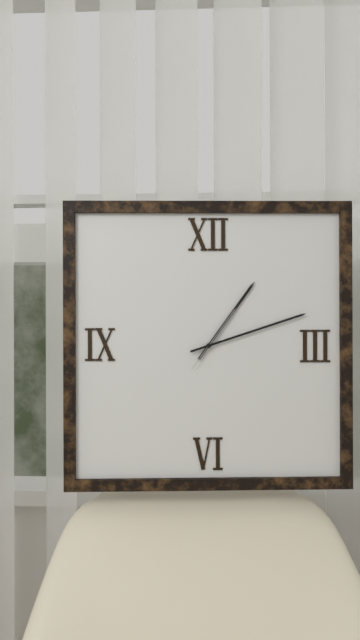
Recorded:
1.12.06
